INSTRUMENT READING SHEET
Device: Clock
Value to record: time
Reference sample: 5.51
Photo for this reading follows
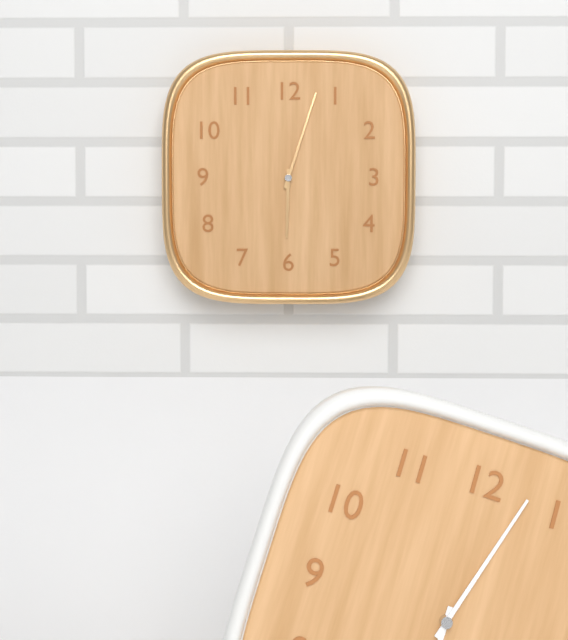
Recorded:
6.03
